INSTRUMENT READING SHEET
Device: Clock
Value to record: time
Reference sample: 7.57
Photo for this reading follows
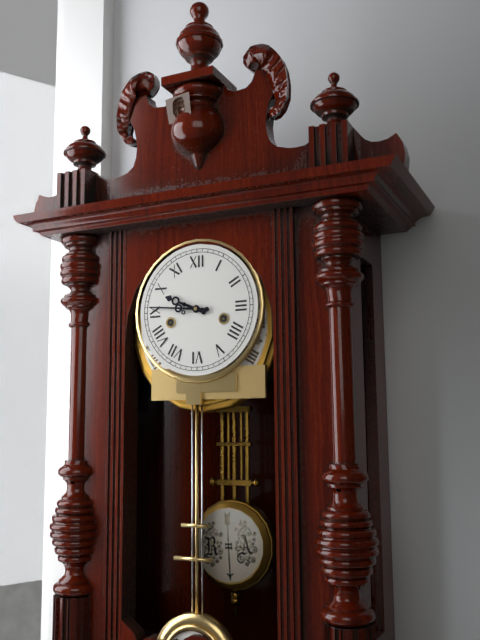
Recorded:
9.46
